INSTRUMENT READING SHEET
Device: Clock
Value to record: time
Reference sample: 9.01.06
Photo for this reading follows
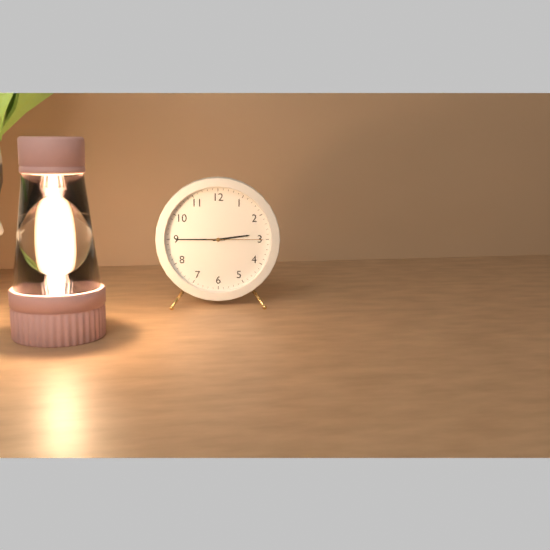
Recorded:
2.45.15
